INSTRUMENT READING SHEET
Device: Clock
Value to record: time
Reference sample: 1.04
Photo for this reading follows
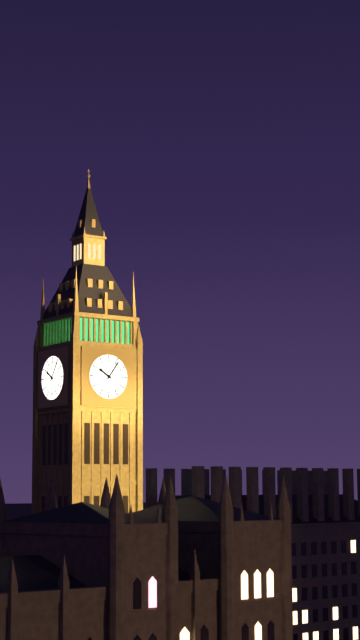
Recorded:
10.06
